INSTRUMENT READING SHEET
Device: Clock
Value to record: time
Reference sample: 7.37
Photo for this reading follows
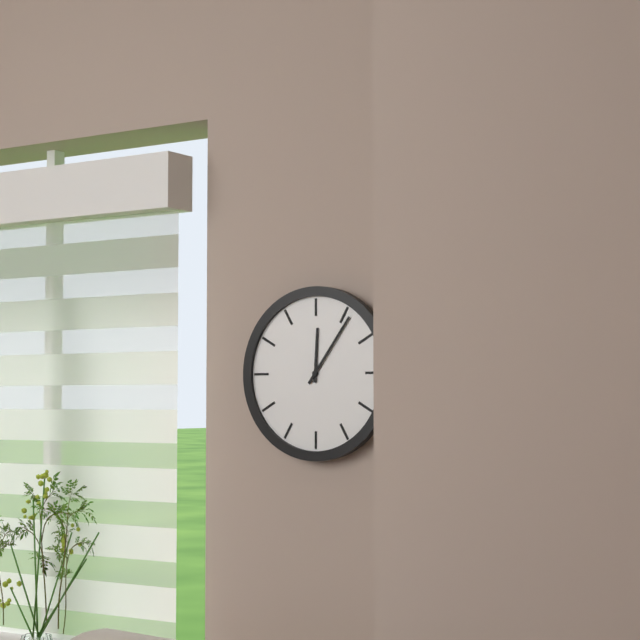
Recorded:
12.06
